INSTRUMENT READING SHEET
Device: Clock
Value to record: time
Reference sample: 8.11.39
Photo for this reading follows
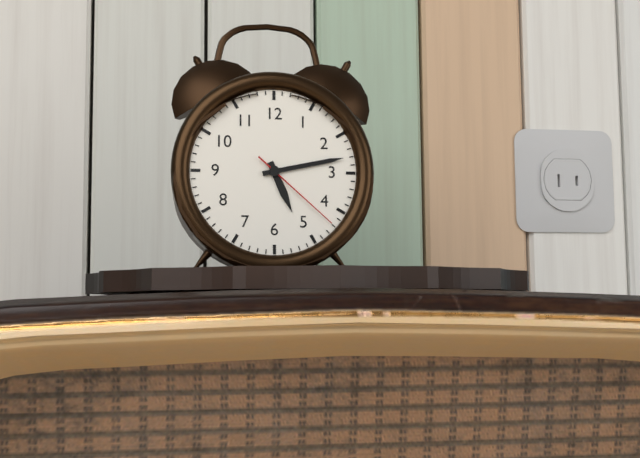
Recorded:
5.13.22
